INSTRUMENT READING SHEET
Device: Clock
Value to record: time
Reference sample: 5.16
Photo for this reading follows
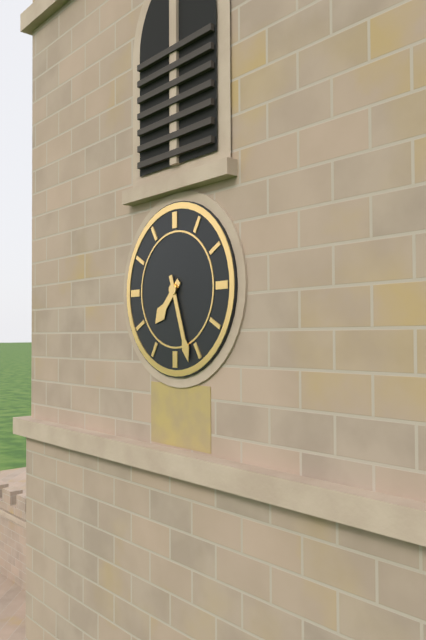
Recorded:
7.27
